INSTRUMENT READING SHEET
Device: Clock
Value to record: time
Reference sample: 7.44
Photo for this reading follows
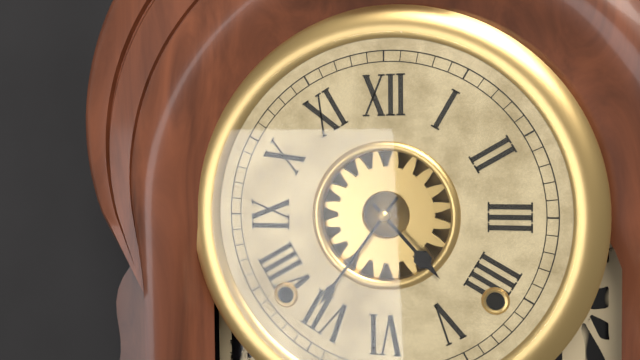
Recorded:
4.36
